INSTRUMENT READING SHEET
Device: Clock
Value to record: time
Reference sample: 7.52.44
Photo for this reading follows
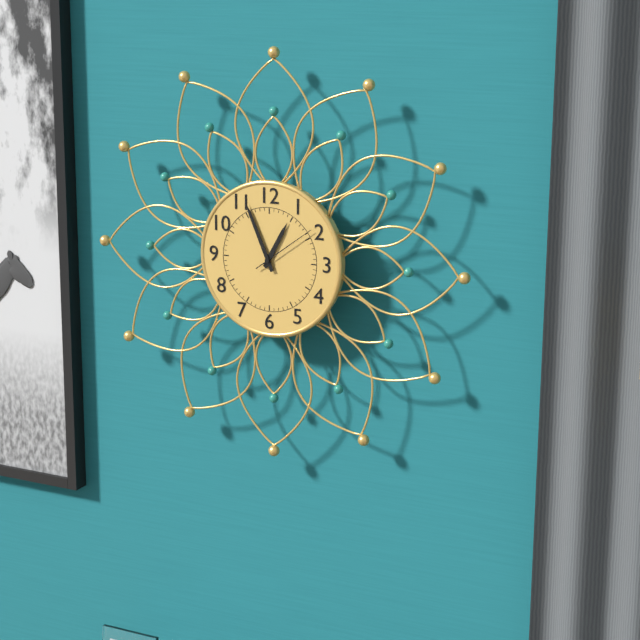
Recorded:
12.56.09
